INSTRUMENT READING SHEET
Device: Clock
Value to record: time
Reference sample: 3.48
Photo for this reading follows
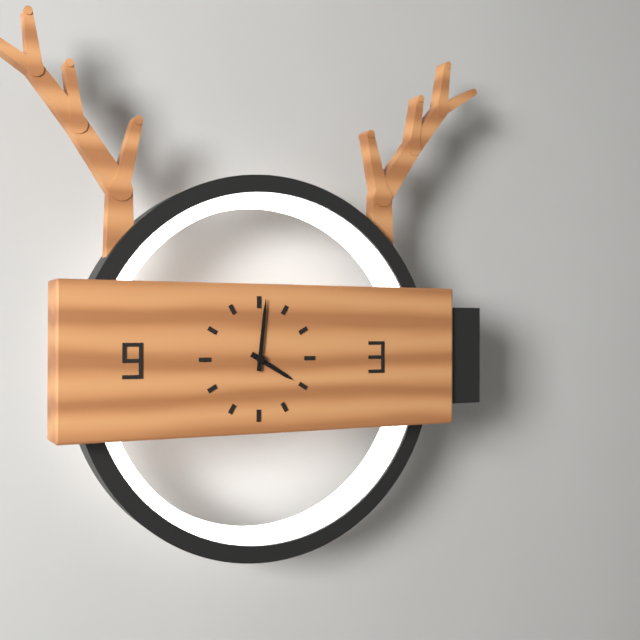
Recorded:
4.01
